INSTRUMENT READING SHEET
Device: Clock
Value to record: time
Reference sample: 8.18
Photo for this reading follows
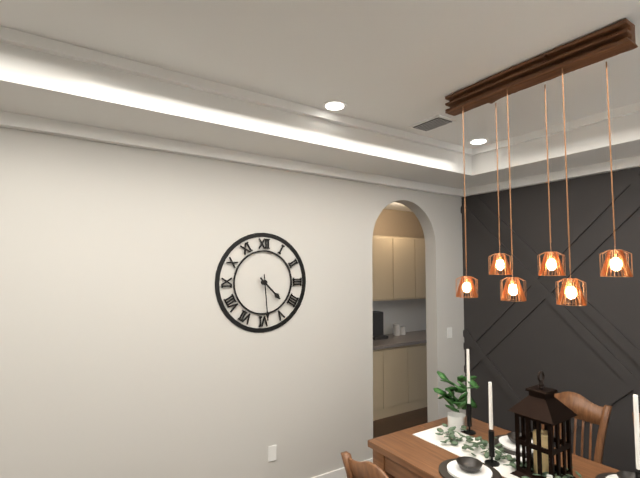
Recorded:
4.29
